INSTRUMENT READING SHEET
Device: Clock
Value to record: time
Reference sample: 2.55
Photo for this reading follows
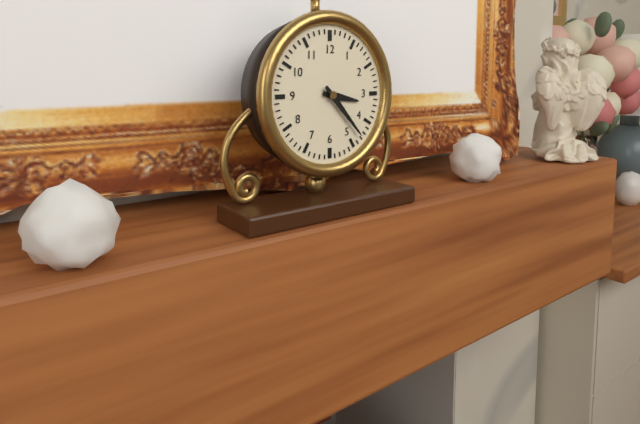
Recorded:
3.23
